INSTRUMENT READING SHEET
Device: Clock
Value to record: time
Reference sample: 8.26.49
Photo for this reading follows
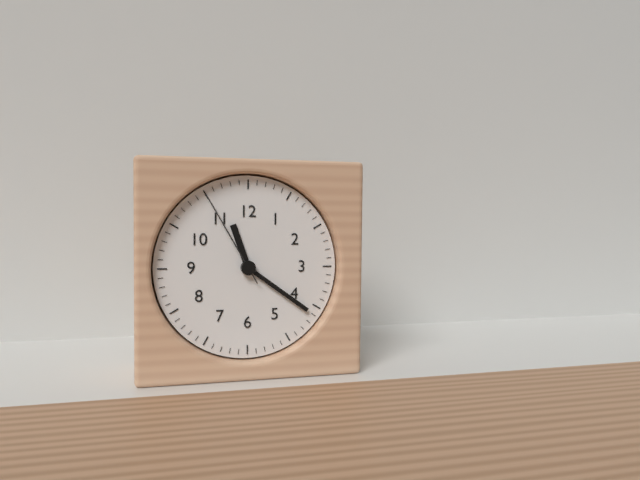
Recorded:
11.21.55
